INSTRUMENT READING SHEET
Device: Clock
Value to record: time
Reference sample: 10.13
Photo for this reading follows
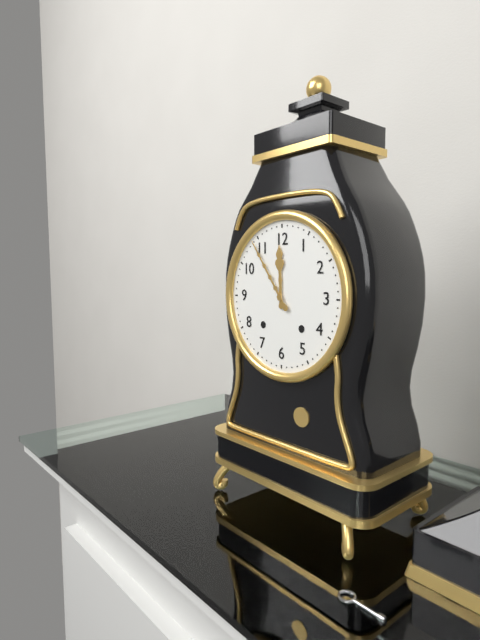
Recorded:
11.54
